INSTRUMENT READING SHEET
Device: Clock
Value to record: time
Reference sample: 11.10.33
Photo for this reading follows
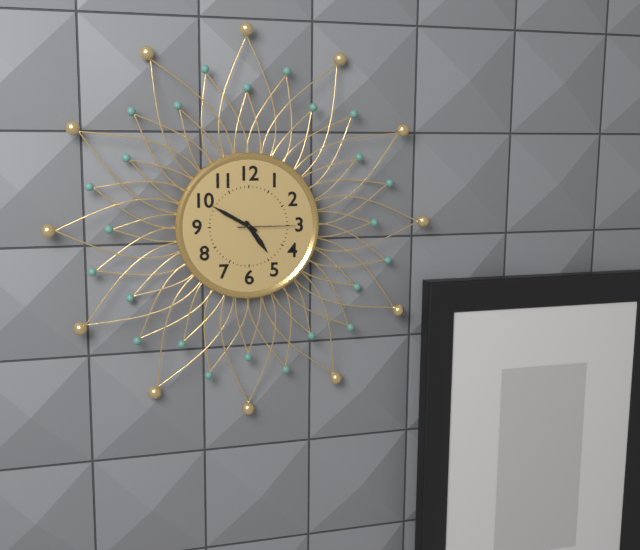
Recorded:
4.50.15
